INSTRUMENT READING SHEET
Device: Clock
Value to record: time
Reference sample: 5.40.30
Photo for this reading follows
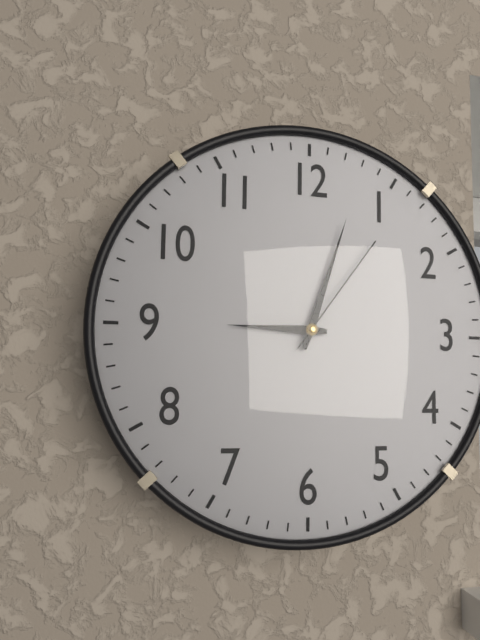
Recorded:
9.03.06
